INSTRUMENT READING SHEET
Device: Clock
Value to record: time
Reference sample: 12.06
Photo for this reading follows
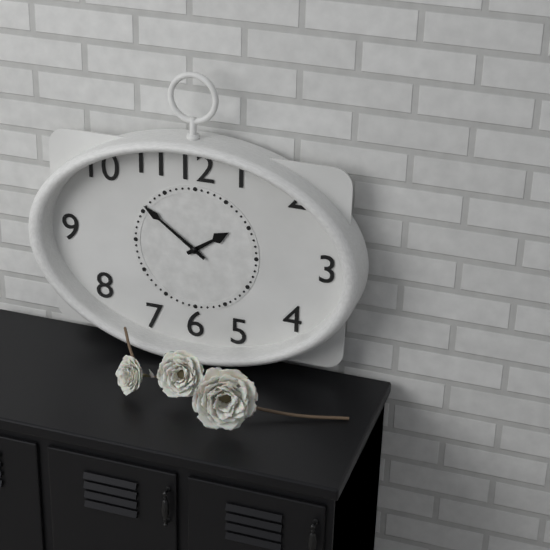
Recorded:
1.51
